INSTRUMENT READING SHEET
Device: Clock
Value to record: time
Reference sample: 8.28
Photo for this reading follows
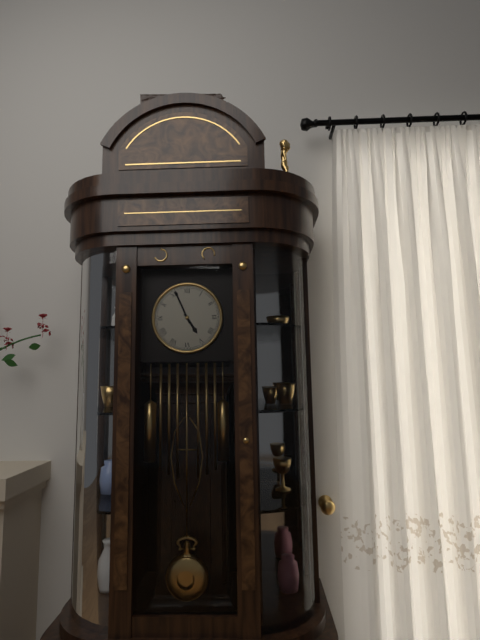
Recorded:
4.56
